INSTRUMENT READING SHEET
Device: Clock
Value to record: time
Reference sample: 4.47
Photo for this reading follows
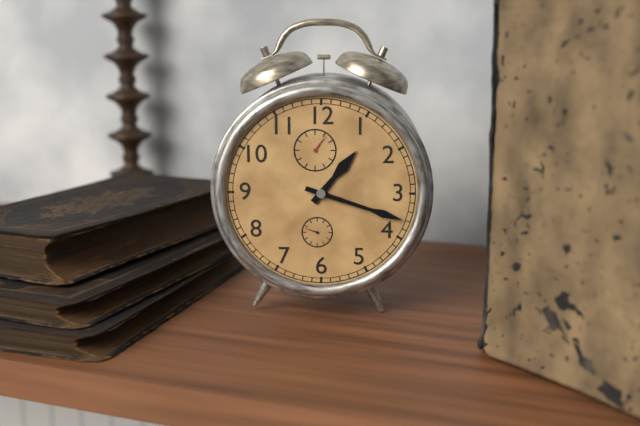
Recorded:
1.18
